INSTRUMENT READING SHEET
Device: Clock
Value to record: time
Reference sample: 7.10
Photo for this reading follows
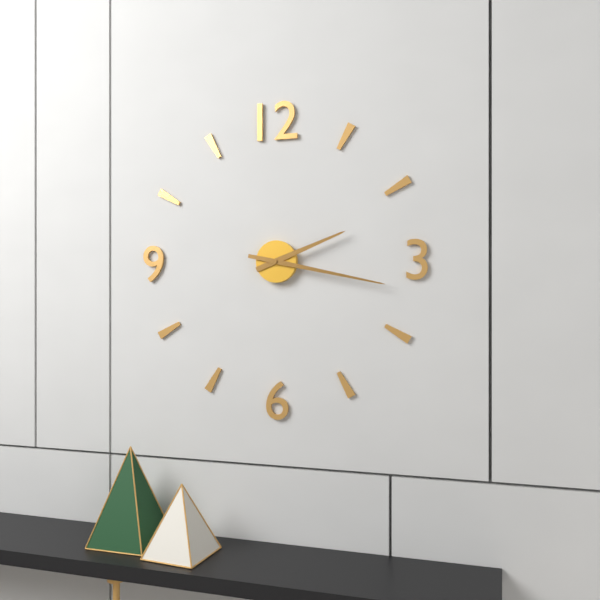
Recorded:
2.17
